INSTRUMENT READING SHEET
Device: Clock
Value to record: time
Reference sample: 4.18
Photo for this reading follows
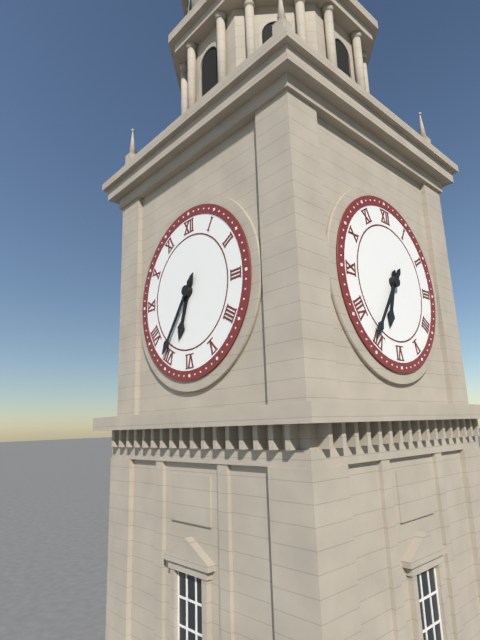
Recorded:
6.36
